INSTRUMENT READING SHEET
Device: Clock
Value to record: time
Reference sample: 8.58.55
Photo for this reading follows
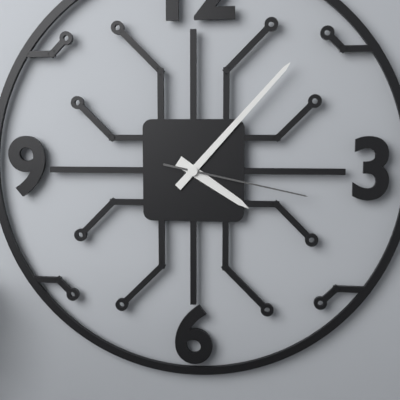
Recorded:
4.07.17
